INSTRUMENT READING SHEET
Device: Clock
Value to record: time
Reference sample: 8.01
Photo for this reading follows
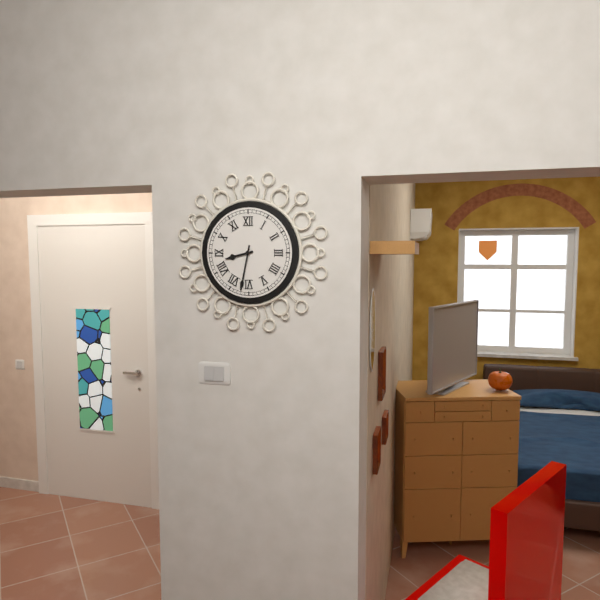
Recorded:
8.32
